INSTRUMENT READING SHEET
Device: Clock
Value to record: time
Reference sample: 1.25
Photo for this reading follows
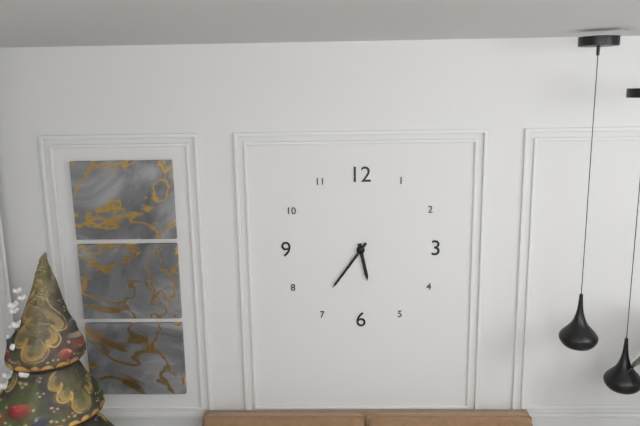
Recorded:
5.36
